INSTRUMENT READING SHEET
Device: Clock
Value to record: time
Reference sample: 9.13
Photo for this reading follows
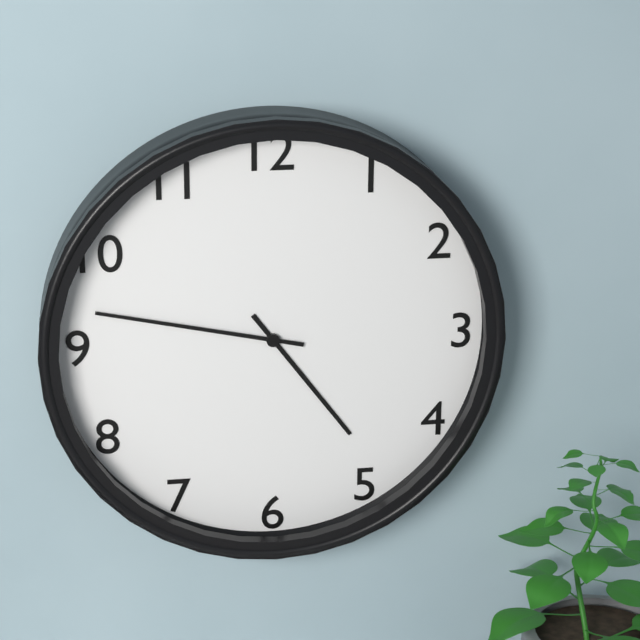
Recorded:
4.47
